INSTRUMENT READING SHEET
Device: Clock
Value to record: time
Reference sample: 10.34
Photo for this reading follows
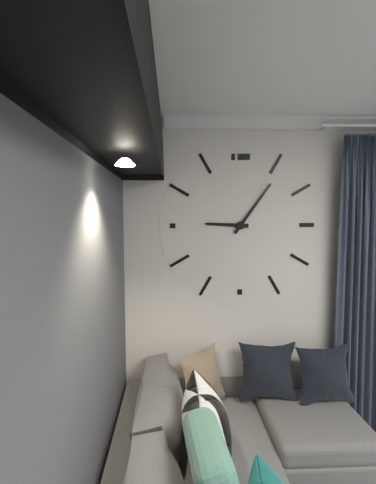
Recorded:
9.06
